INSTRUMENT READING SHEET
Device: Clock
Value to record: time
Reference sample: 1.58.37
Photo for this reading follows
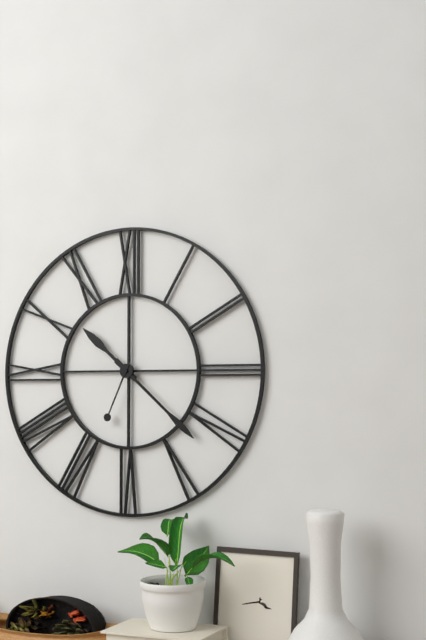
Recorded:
10.22.34
